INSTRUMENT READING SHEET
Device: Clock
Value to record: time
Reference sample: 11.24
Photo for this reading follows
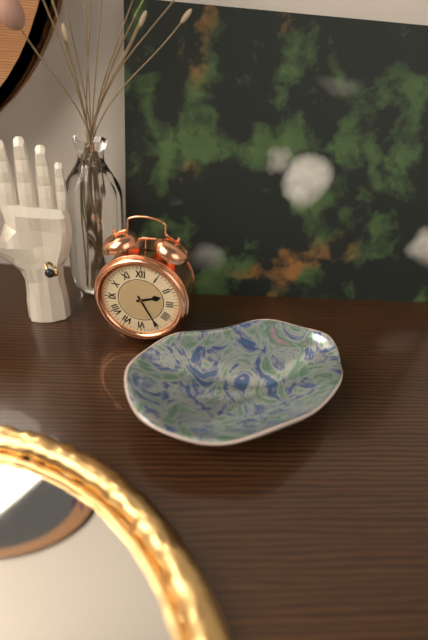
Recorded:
2.25
